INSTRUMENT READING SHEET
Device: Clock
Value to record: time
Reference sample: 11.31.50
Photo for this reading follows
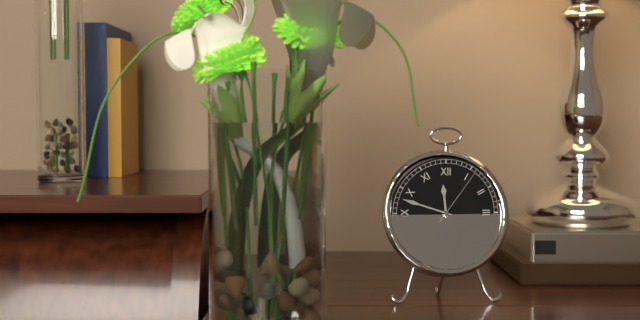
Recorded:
11.48.06
